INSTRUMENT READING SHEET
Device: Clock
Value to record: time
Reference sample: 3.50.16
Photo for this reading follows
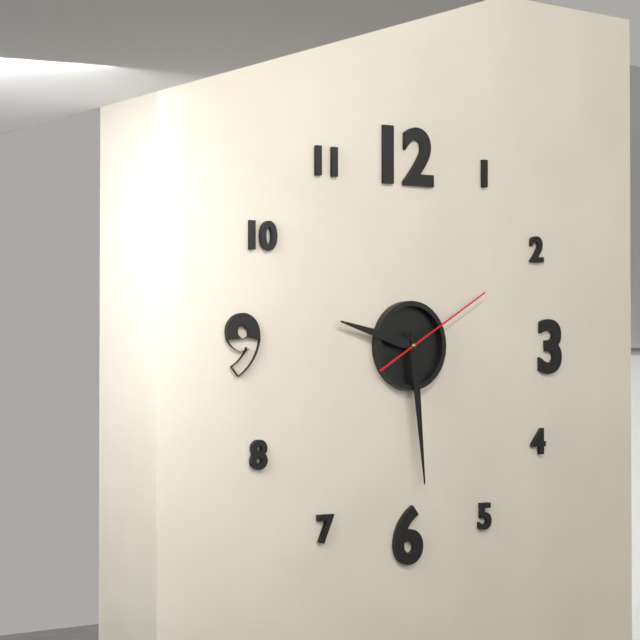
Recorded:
9.29.10
